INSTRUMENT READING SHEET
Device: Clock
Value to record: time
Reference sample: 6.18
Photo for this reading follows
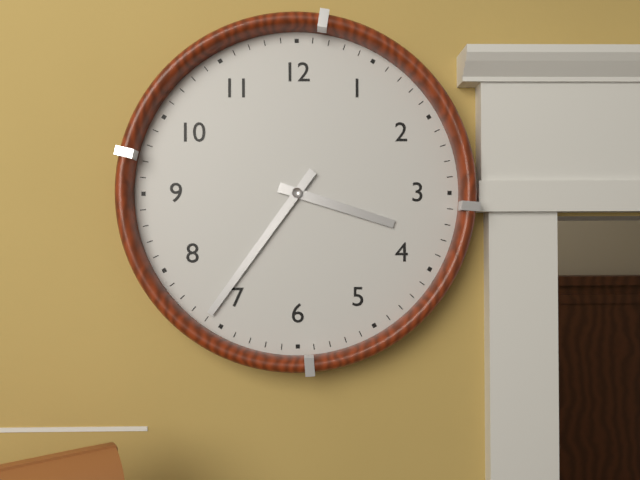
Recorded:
3.36
